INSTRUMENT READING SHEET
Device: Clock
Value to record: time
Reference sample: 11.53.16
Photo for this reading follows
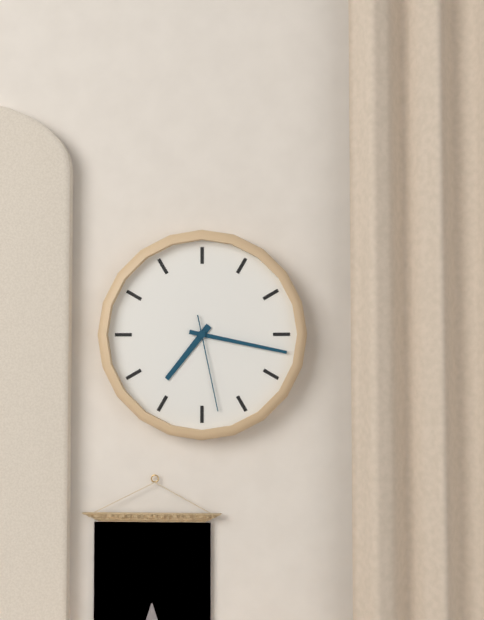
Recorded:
7.17.28
